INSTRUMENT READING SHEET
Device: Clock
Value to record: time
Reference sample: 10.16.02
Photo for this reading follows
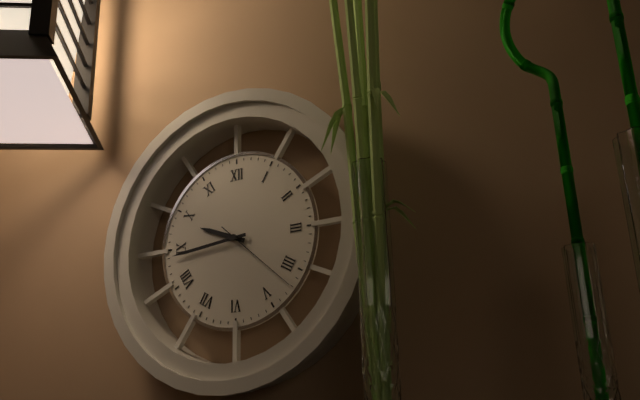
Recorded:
9.44.22
